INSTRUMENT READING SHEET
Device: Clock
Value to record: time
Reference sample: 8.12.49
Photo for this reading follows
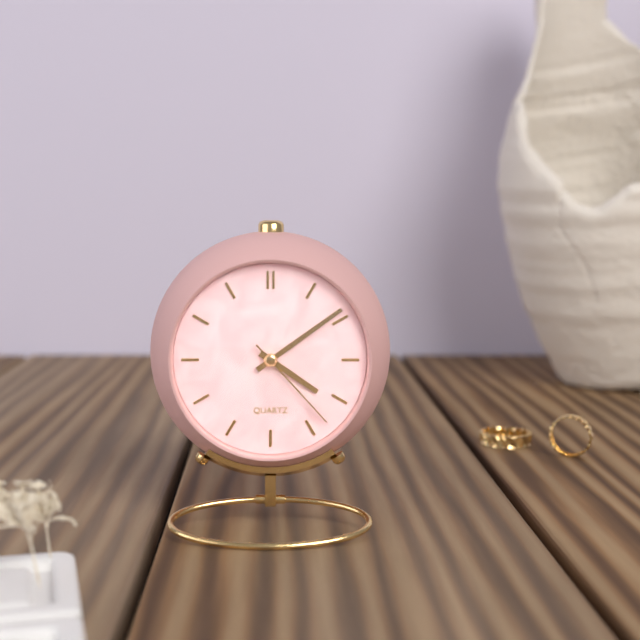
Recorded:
4.09.23
